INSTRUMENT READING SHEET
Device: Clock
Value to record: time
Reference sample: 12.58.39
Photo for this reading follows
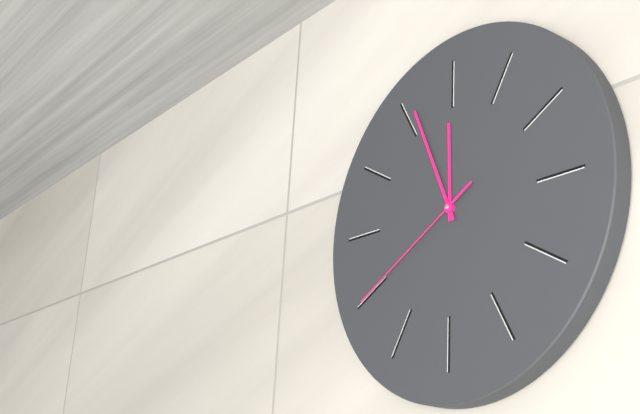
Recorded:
11.56.40
